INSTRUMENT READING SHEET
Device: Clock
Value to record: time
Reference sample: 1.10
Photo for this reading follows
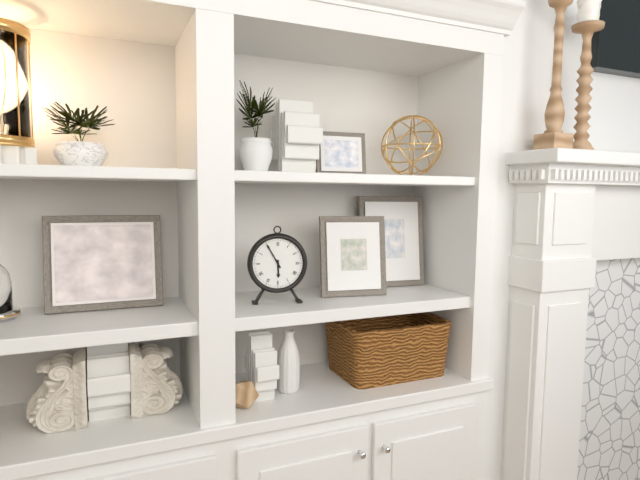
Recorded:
5.55
